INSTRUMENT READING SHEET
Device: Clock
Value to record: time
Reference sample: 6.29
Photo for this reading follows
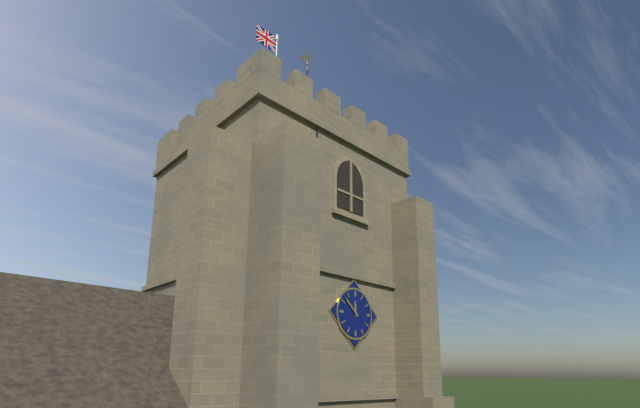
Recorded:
11.52
